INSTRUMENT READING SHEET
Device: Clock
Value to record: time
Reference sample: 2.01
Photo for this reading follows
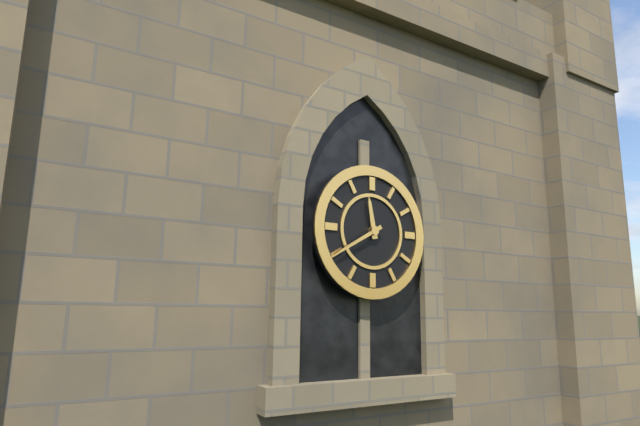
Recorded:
11.40
